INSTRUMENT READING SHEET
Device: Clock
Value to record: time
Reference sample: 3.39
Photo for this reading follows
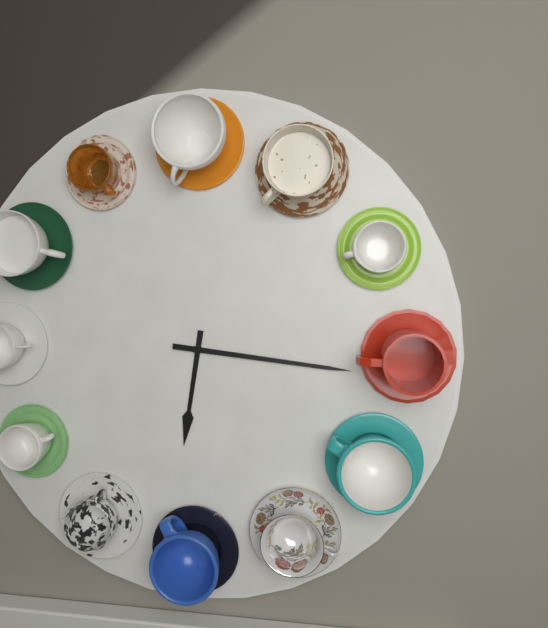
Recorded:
6.16
